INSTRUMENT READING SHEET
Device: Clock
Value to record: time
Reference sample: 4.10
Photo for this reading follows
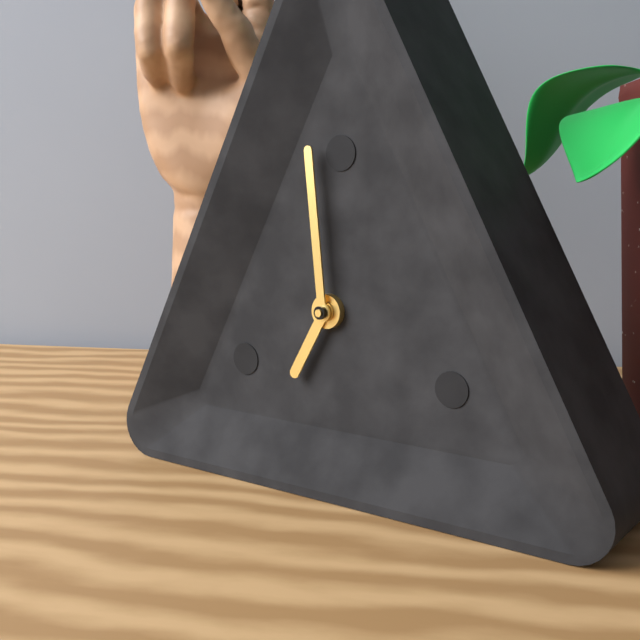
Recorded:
6.59
